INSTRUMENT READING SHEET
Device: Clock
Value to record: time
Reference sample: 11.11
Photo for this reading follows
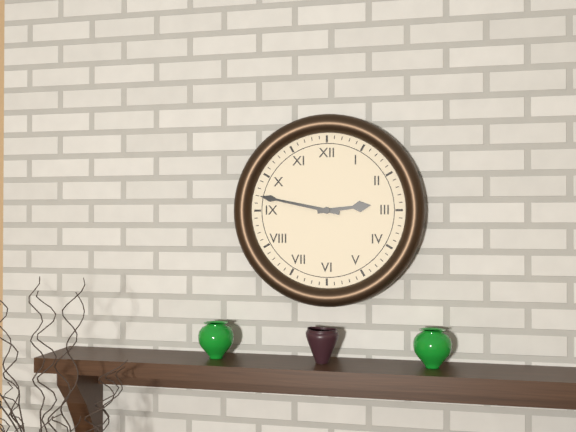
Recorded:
2.47
